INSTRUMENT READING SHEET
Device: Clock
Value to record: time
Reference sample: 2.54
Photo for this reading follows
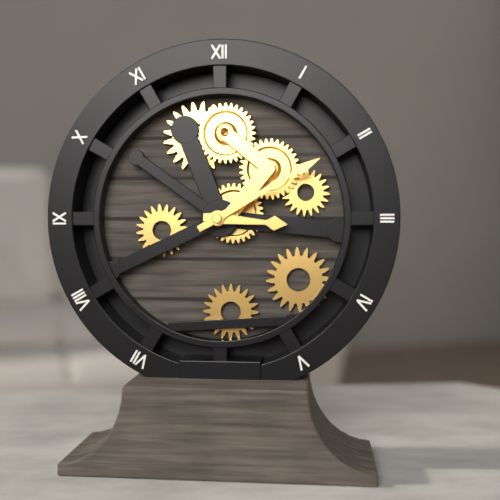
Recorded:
3.10
